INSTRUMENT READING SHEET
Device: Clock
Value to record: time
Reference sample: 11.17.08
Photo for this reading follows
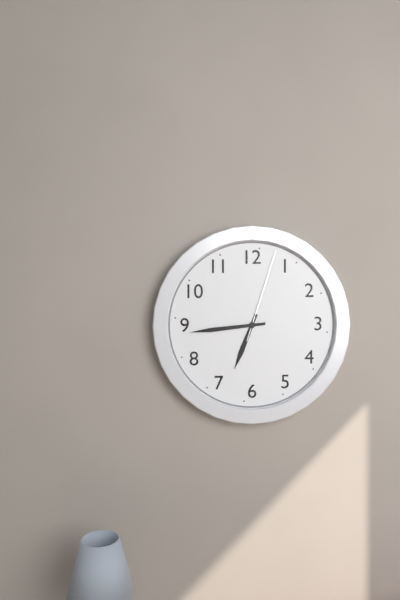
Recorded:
6.44.03
